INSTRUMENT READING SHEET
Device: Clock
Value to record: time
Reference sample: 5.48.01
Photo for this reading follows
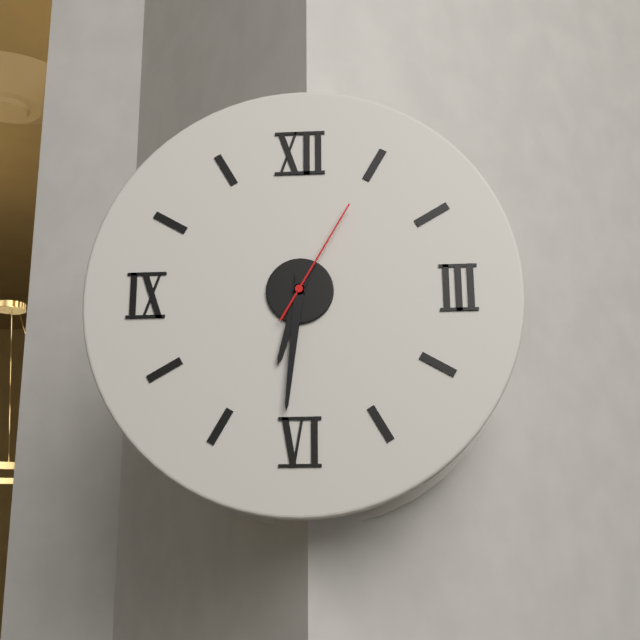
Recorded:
6.31.05
